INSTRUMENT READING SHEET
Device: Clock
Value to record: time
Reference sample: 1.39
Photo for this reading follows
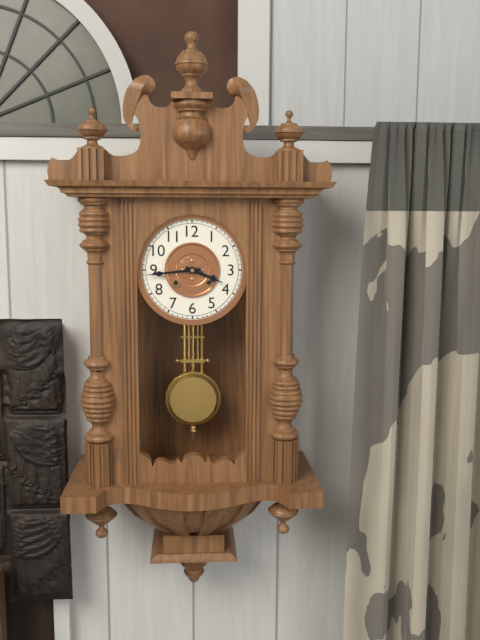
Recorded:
3.44
